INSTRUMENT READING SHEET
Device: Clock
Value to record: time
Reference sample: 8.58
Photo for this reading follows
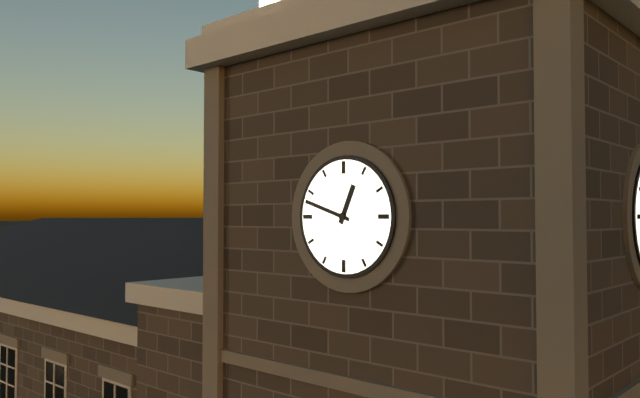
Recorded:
12.48
